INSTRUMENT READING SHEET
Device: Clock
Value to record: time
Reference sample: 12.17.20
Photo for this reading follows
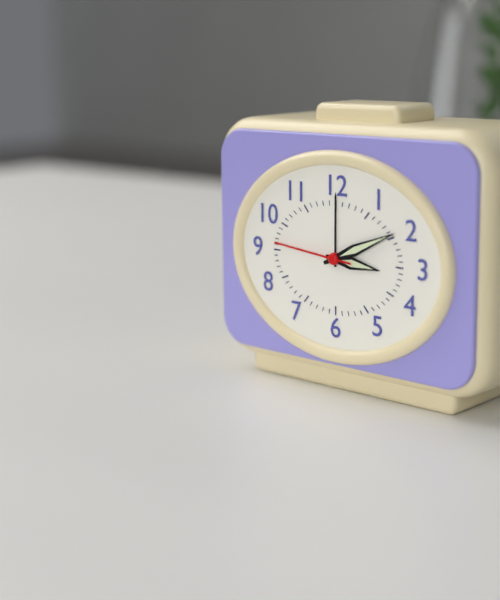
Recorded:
3.11.46
